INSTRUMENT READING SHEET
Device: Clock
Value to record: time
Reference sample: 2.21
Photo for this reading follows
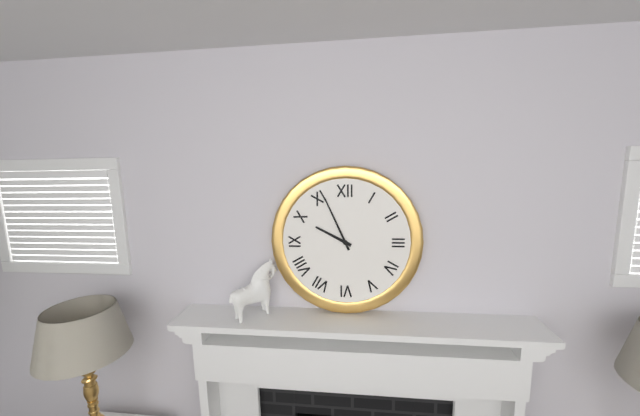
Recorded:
9.56
